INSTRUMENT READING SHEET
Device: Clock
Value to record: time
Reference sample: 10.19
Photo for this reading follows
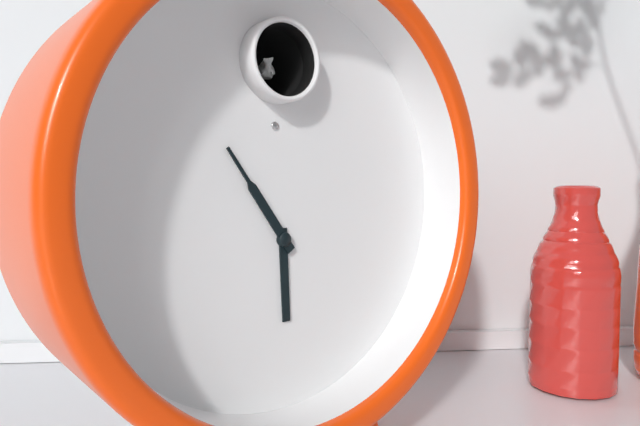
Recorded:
5.54
